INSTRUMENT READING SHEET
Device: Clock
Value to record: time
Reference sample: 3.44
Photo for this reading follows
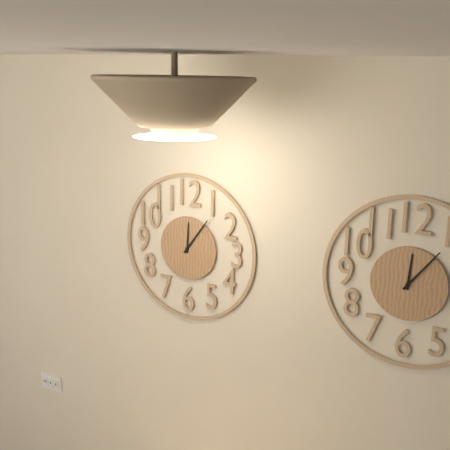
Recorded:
12.06
